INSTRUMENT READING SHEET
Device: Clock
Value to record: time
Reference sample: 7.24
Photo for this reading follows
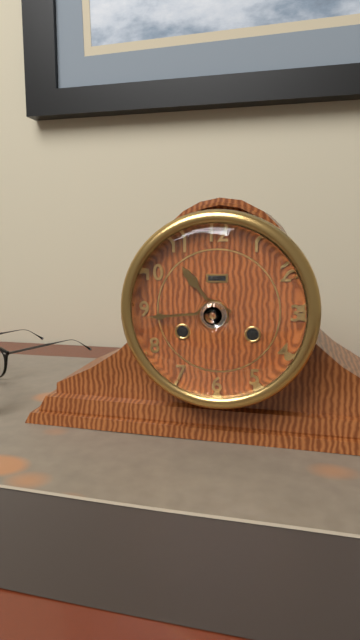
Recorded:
10.44
